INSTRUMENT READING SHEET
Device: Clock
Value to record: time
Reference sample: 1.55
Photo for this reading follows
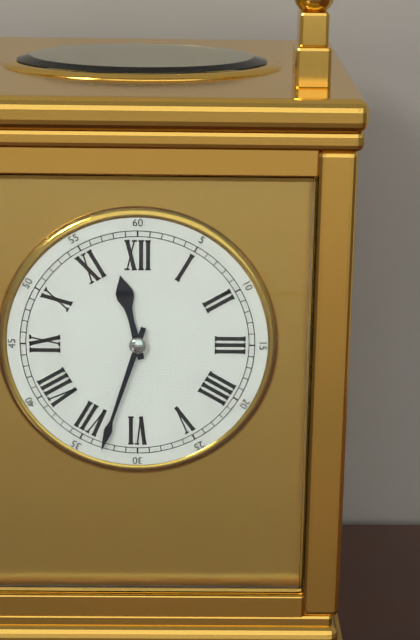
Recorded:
11.33
